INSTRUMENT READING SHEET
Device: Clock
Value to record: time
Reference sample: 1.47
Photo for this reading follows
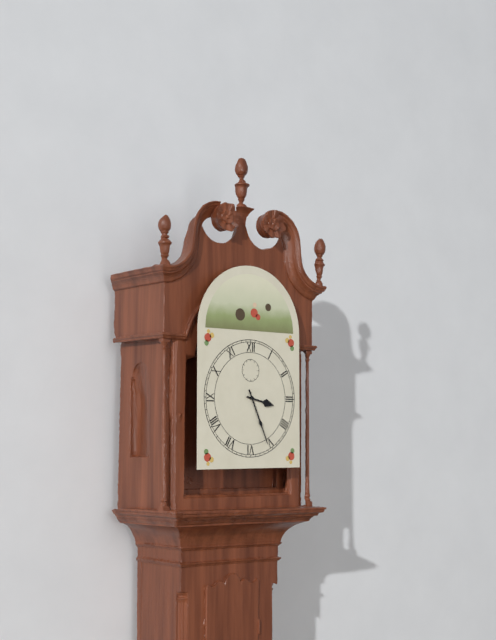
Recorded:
3.26
